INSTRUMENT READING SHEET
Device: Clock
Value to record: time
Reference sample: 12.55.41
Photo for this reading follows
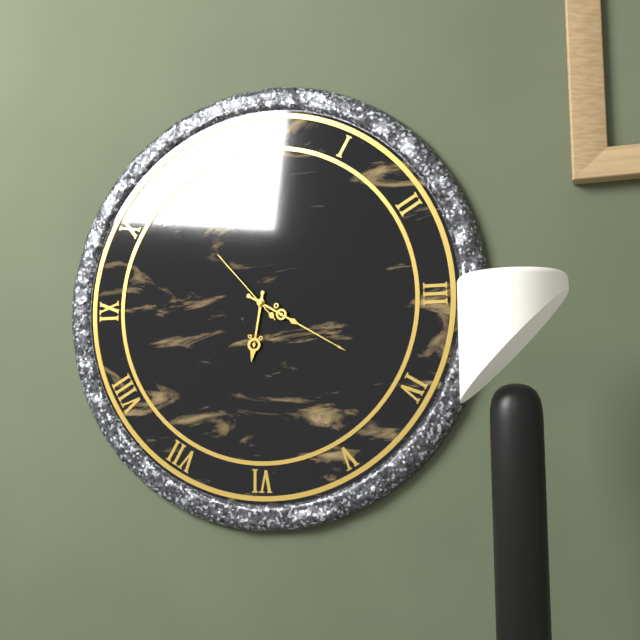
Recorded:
6.20.53
